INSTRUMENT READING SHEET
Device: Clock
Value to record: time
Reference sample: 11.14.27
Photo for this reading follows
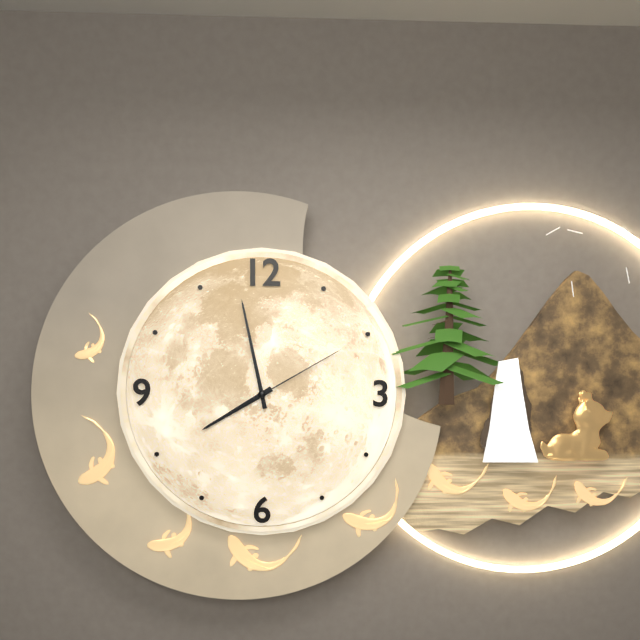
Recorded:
7.58.10
